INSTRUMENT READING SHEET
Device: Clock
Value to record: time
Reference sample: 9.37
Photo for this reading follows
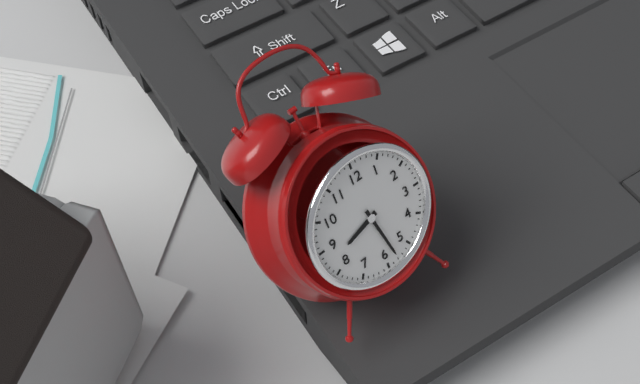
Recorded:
8.28
